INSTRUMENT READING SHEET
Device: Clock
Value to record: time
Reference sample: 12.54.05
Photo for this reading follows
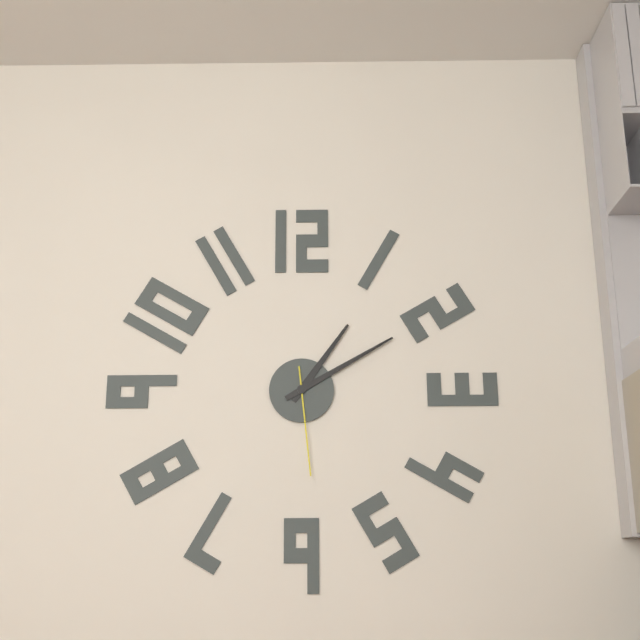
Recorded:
1.10.29
